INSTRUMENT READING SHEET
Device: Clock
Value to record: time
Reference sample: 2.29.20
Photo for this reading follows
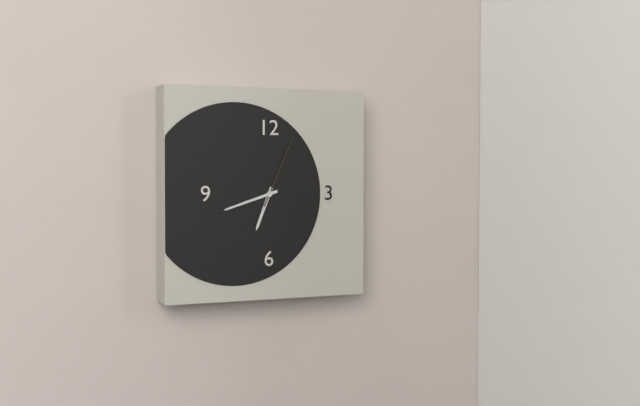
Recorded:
6.42.04
